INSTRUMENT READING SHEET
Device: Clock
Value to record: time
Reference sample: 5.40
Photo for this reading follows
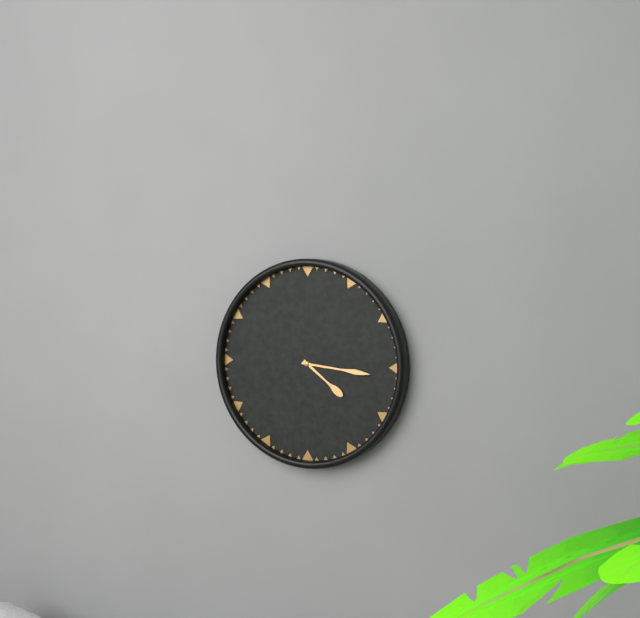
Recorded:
4.16
